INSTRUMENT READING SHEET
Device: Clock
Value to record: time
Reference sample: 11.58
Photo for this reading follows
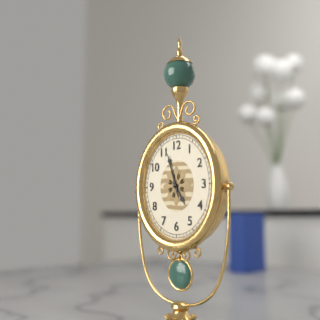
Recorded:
4.57
